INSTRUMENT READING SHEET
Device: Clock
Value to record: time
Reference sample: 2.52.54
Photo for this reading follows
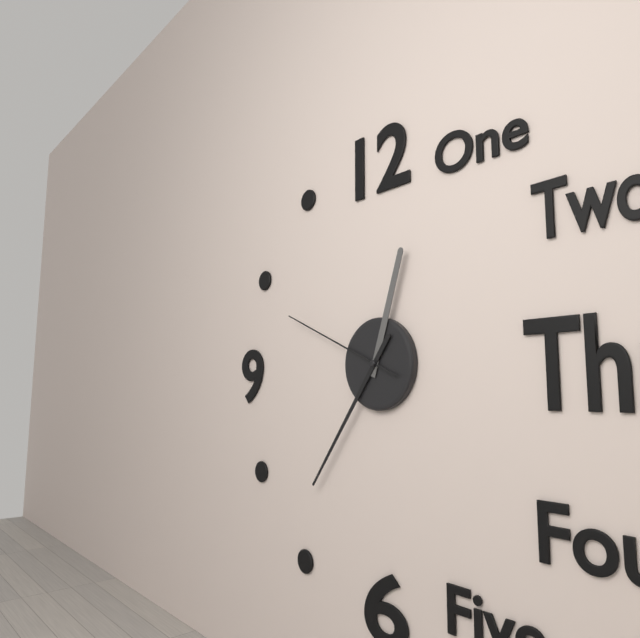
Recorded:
12.36.49
